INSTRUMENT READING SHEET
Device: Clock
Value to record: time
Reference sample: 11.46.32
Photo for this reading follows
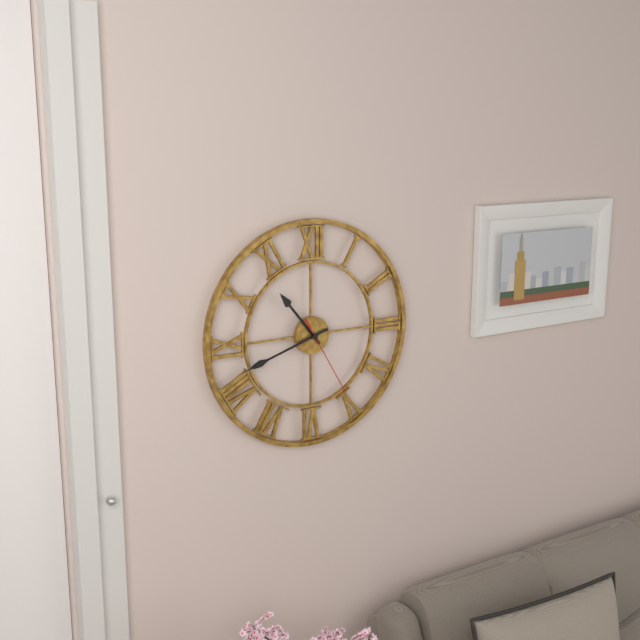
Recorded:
10.42.25
